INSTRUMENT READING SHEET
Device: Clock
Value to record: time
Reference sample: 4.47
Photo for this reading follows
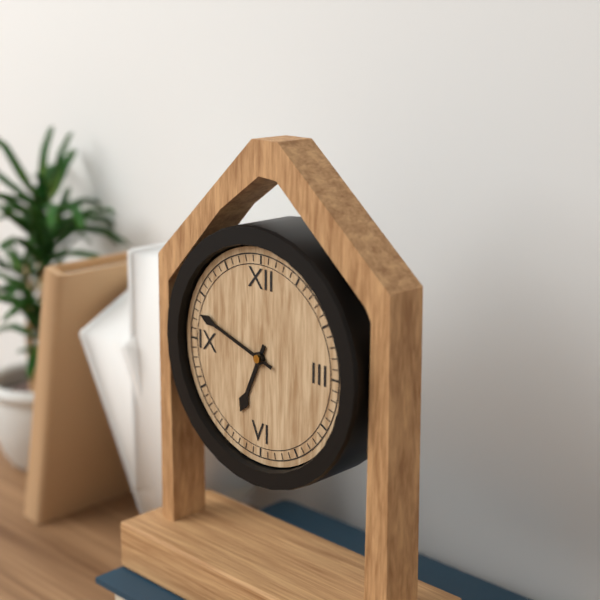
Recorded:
6.48
